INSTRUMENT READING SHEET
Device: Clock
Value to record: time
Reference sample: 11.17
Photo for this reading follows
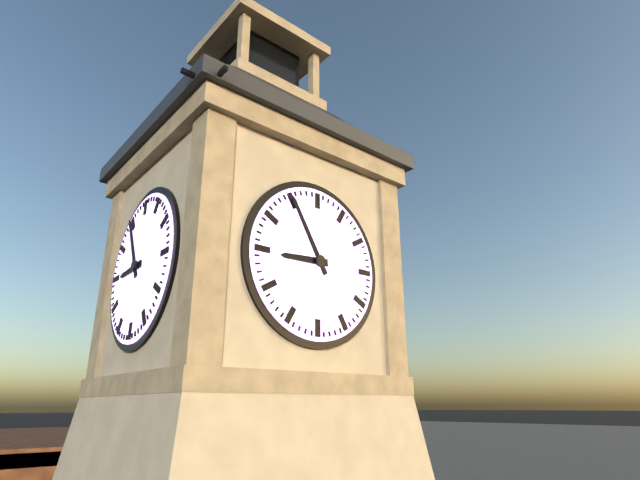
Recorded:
8.55
